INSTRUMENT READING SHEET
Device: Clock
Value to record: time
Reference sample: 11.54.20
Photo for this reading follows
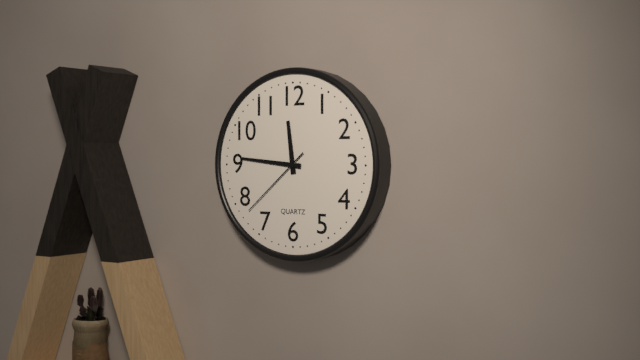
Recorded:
11.46.38
